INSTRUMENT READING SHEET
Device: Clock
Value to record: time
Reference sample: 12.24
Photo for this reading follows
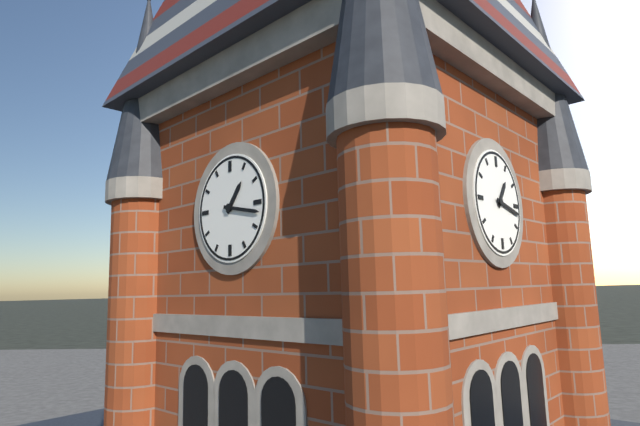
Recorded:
1.17
